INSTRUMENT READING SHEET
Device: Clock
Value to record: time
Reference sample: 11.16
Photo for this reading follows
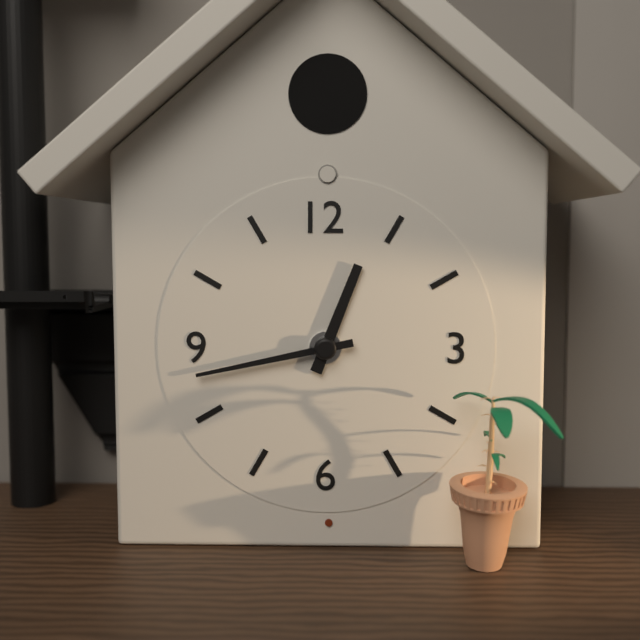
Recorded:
12.43
